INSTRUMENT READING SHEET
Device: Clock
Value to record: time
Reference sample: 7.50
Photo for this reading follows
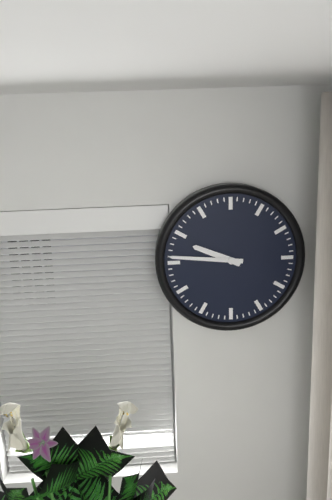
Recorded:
9.46
